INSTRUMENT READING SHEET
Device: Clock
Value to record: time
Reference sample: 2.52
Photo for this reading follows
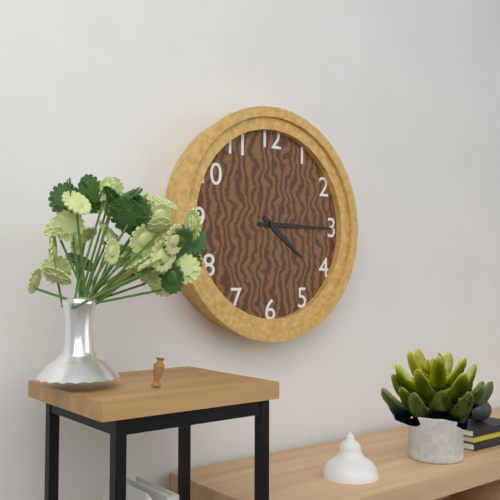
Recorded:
4.15
